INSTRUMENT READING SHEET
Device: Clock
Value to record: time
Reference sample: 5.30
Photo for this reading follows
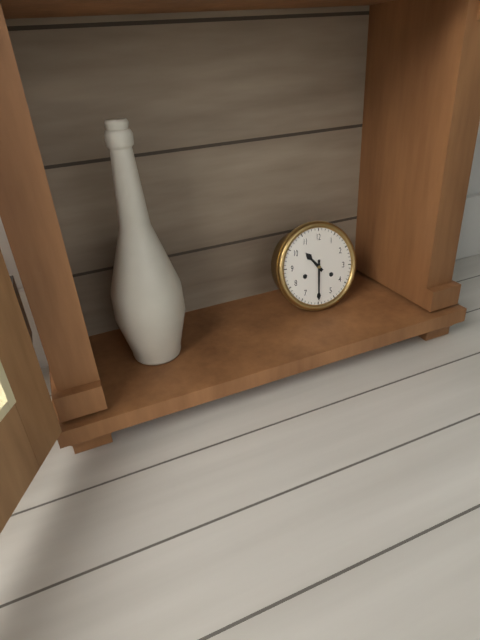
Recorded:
10.30
